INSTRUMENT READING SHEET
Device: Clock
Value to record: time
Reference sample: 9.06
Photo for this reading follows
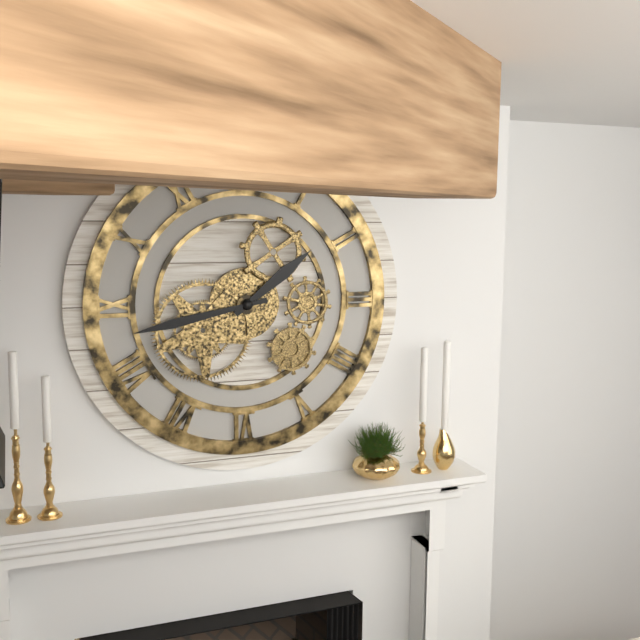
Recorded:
1.43
